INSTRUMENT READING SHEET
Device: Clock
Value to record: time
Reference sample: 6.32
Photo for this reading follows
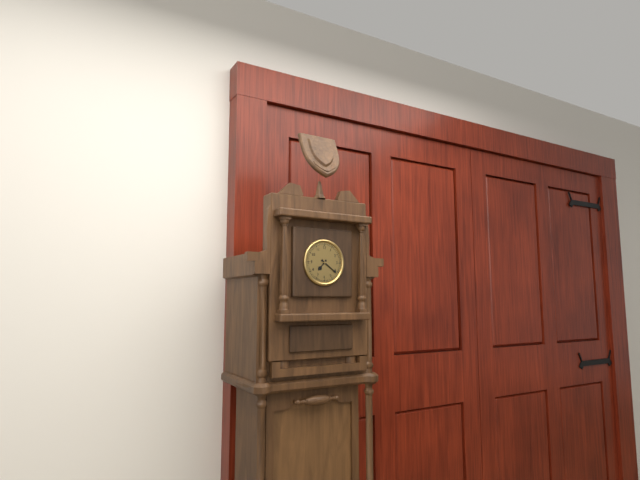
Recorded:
7.21
